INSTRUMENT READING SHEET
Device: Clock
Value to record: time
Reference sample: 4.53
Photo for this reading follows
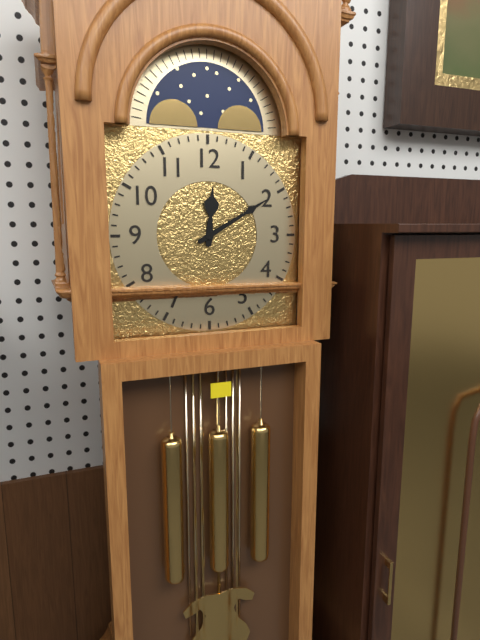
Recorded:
12.10
